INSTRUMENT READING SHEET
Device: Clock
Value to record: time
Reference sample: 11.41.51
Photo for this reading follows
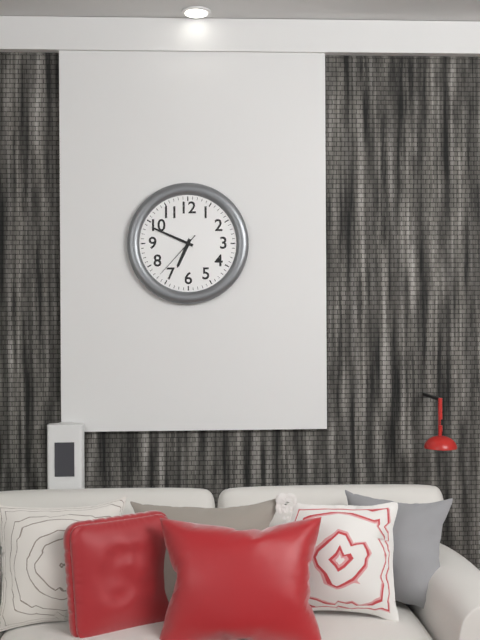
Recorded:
6.49.37
